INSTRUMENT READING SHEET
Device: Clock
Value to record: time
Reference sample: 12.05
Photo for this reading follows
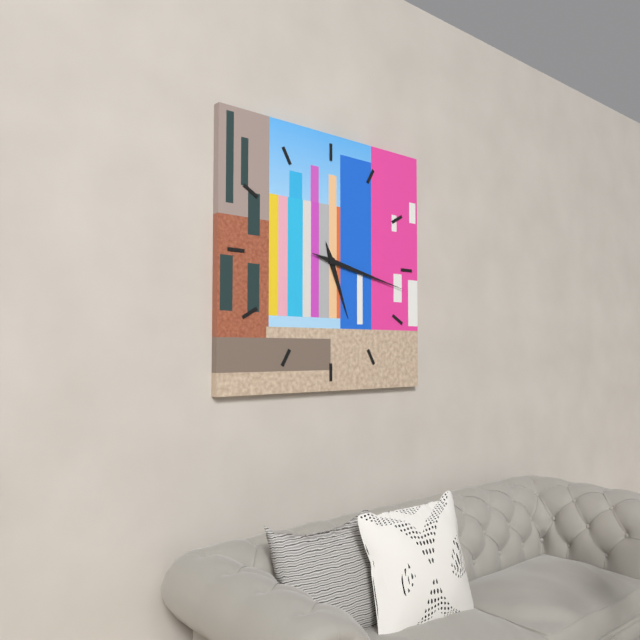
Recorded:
5.17
